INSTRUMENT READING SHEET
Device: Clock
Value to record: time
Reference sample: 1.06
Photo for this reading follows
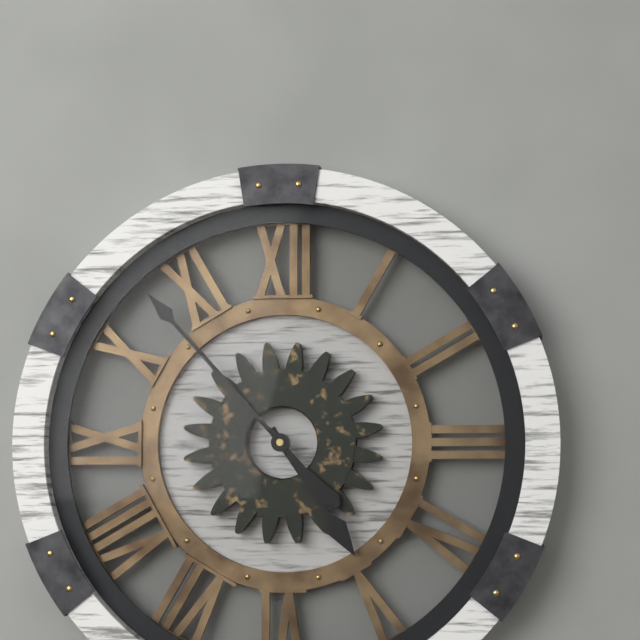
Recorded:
4.53
